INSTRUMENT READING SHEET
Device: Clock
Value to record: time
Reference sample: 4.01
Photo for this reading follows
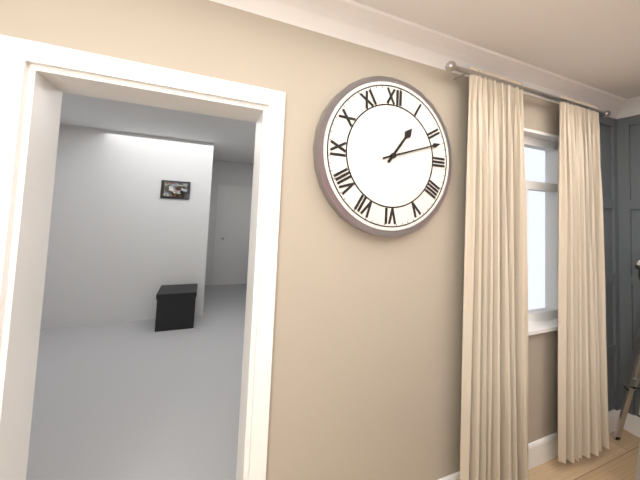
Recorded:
1.12
